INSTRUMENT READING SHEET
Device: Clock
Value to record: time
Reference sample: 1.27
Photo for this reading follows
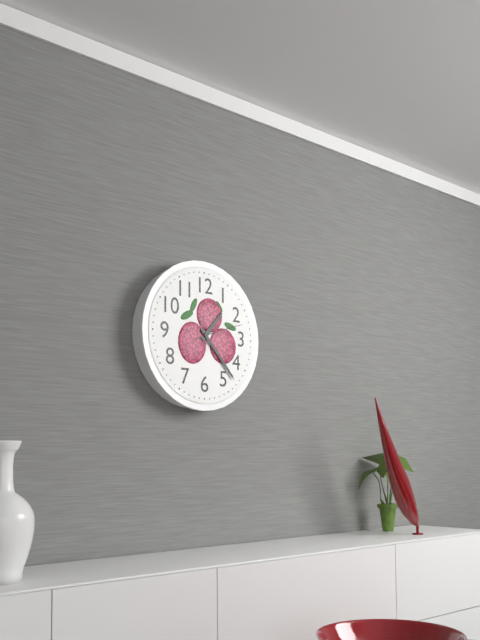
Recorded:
1.23
